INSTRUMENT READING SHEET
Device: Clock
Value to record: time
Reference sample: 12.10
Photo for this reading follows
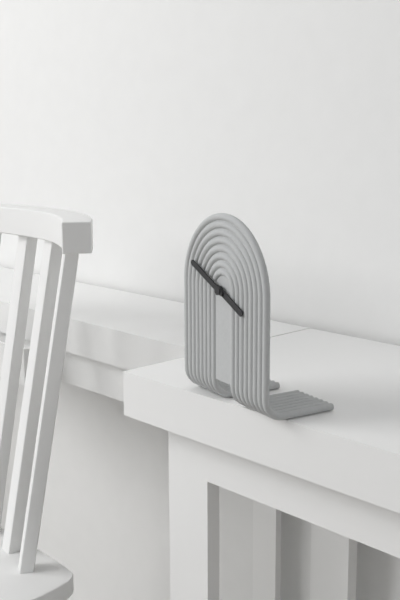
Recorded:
3.49
